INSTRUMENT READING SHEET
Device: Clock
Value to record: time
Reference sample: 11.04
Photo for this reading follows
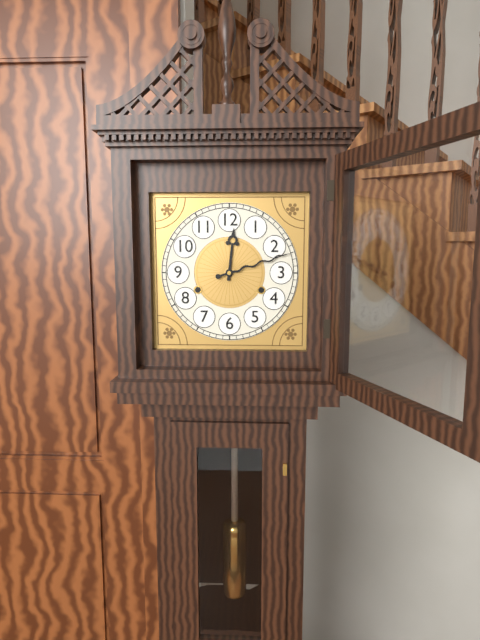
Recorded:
12.12
